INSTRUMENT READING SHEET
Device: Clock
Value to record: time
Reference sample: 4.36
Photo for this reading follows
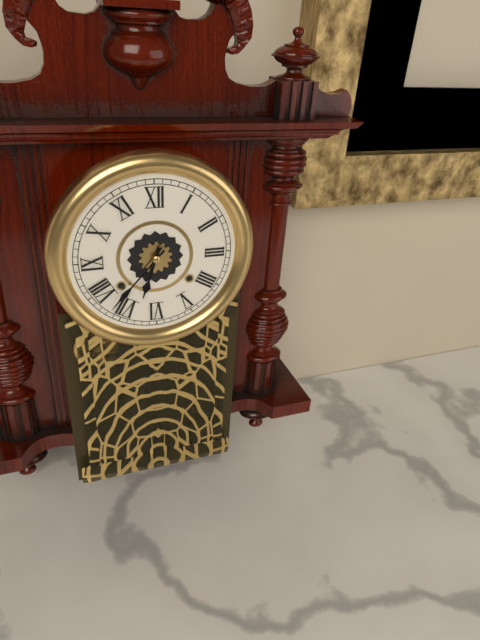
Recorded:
6.37
